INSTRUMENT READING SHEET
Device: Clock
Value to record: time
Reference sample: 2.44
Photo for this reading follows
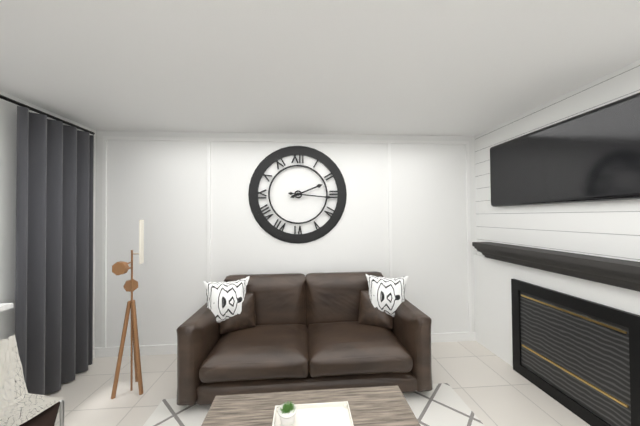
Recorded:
2.16
